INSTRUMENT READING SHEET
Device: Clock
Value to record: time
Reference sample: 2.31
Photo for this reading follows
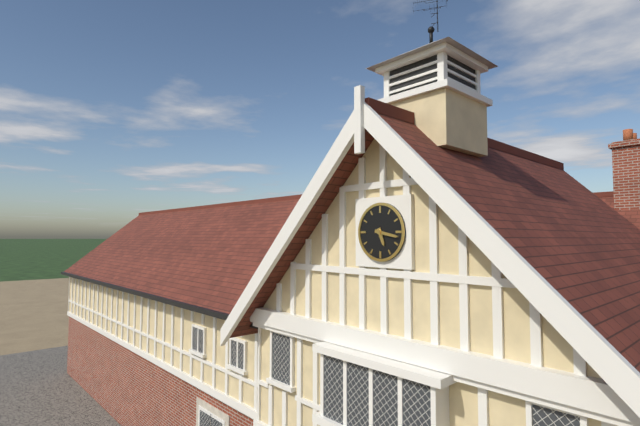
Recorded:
5.17
